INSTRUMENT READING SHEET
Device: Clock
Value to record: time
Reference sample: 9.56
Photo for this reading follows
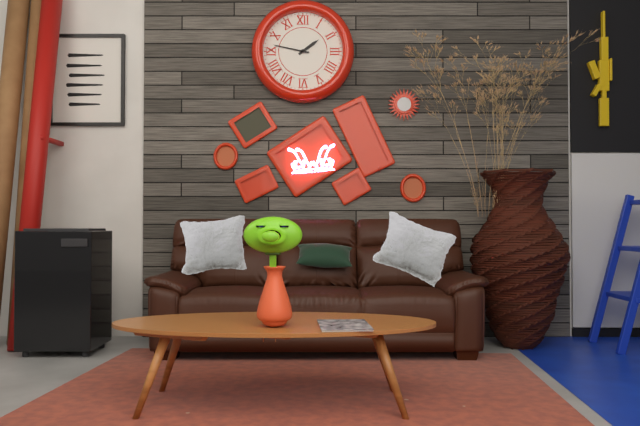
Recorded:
1.47
